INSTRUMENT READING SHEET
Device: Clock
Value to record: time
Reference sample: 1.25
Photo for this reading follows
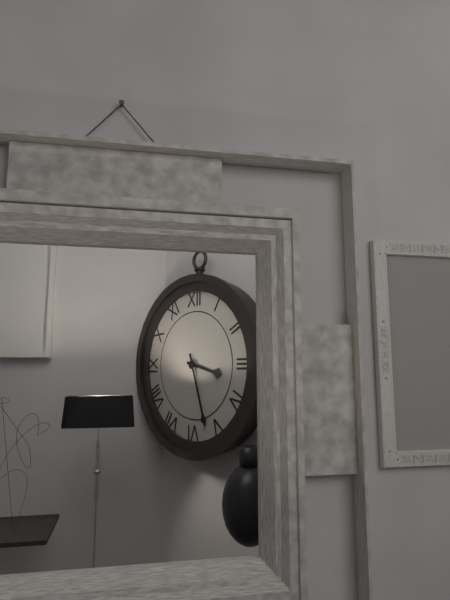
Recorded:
3.27
